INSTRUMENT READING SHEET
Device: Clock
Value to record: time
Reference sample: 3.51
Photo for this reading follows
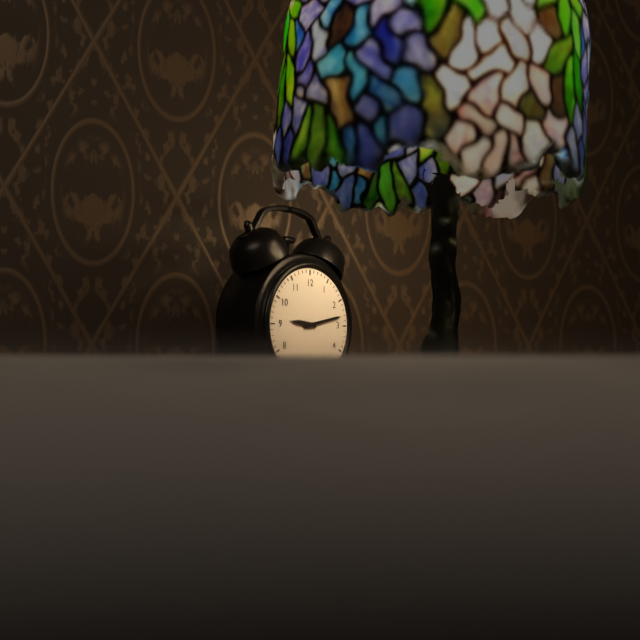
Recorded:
9.13
